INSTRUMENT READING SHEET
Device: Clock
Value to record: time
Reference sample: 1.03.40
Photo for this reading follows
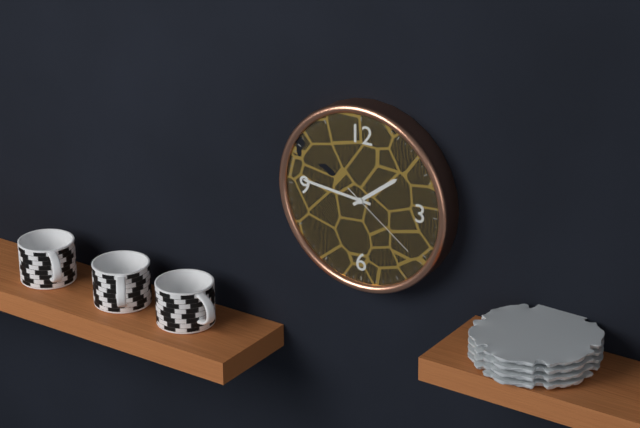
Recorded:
1.46.21
